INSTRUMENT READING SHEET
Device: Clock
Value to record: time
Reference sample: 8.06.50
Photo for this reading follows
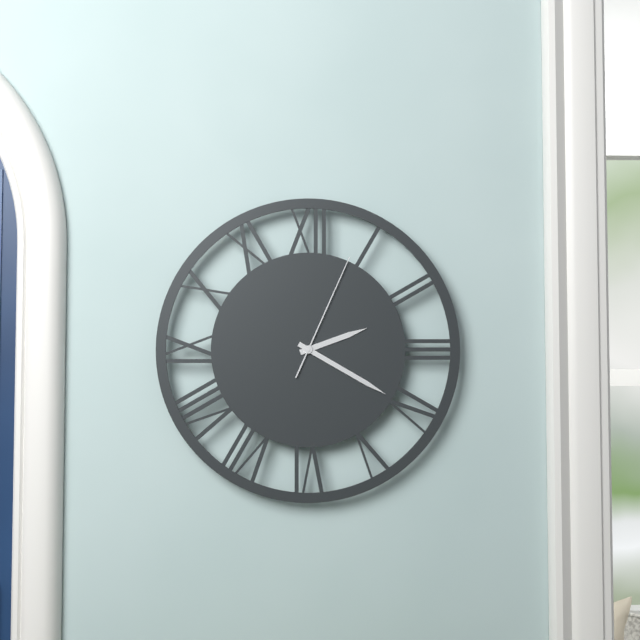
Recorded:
2.20.04
